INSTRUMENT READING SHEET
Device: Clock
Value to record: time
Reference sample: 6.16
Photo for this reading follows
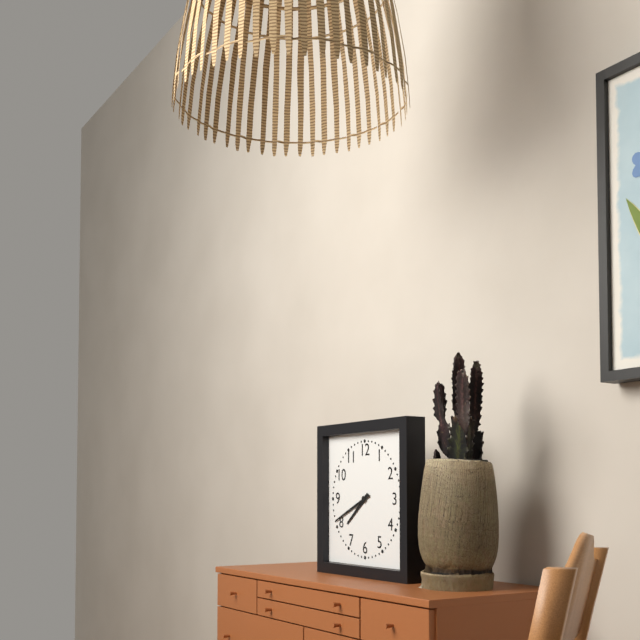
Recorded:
7.41
